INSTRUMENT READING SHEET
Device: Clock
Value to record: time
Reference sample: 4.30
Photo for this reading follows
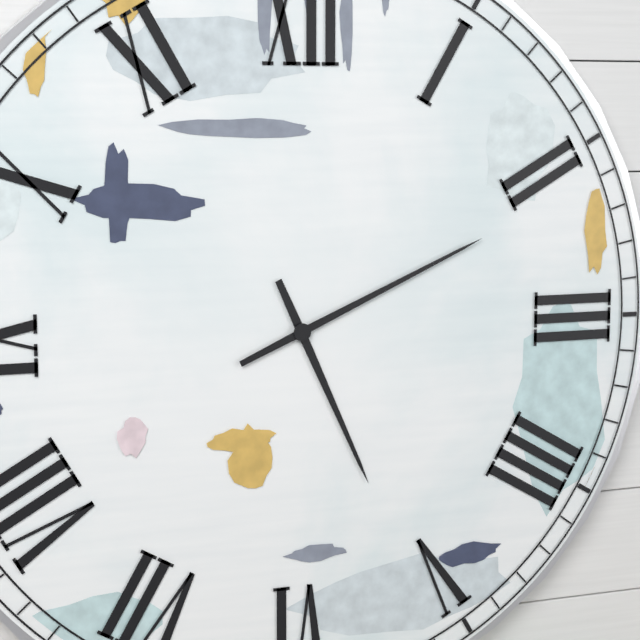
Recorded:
5.11
